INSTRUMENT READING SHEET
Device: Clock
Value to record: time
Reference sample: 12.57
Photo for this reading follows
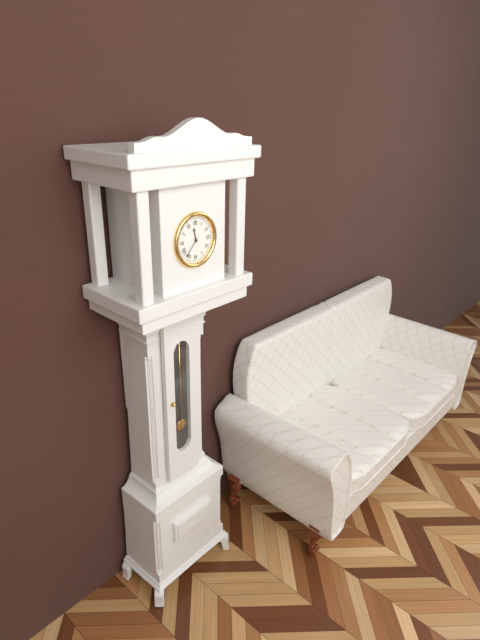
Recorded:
11.37
